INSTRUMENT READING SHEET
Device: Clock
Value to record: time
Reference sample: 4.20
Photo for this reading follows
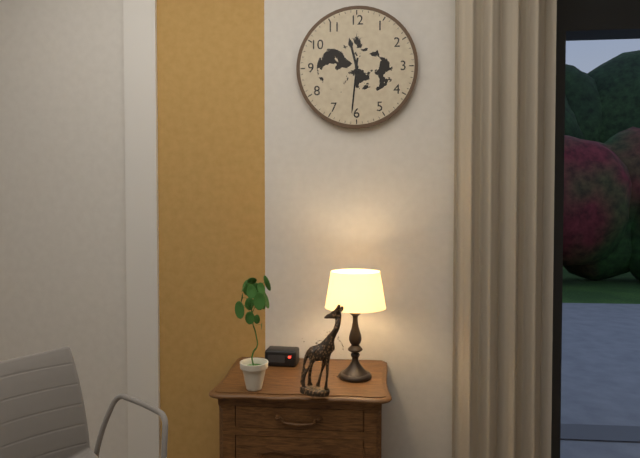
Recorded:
11.31
